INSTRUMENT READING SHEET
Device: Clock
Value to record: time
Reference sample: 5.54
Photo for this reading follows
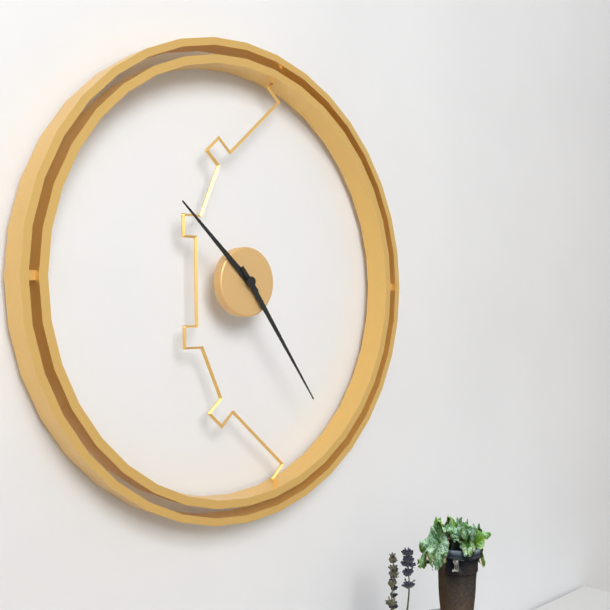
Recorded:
10.24
